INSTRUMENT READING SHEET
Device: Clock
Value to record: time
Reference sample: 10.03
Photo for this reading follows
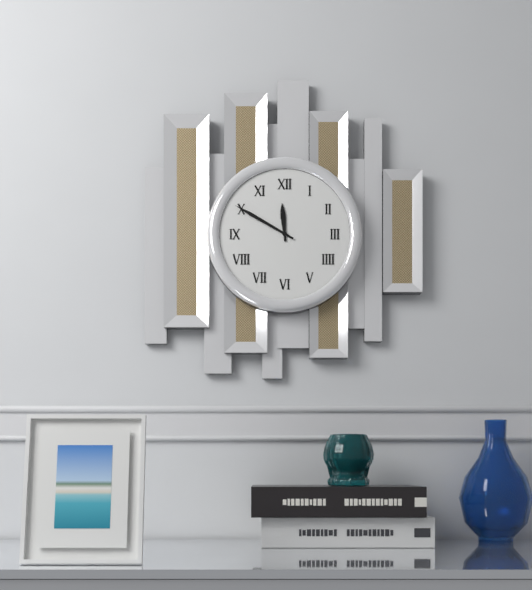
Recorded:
11.50
